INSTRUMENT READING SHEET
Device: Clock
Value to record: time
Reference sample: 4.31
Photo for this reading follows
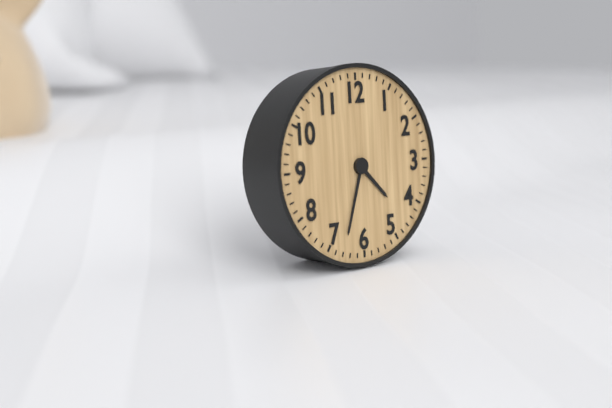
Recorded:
4.33
